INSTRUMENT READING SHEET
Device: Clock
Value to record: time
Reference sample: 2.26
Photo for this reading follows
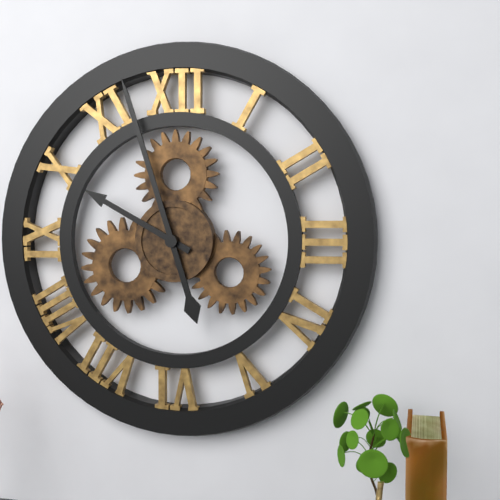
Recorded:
9.57
